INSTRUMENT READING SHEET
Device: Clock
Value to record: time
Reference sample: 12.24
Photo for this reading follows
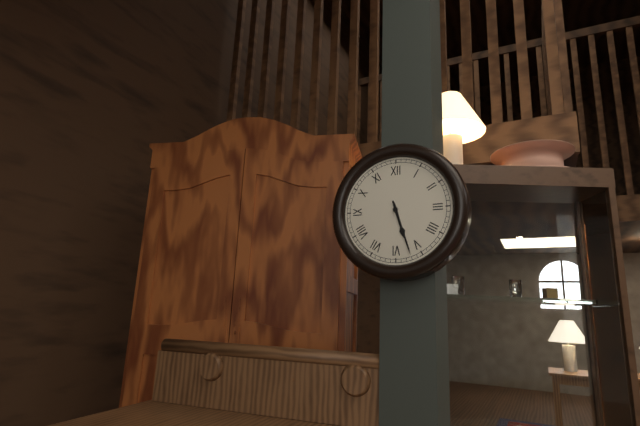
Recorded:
5.27
